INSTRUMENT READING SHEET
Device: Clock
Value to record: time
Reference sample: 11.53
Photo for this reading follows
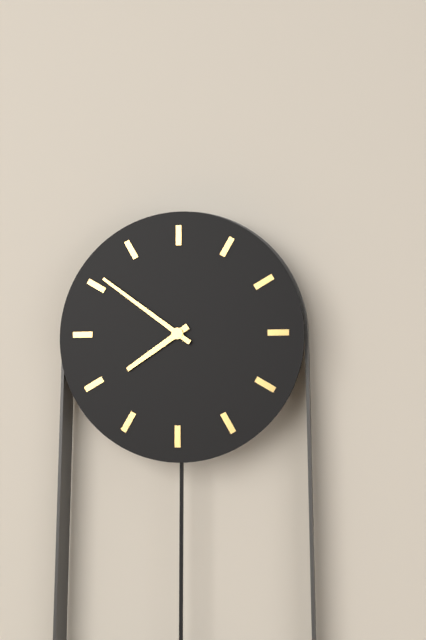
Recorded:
7.51
